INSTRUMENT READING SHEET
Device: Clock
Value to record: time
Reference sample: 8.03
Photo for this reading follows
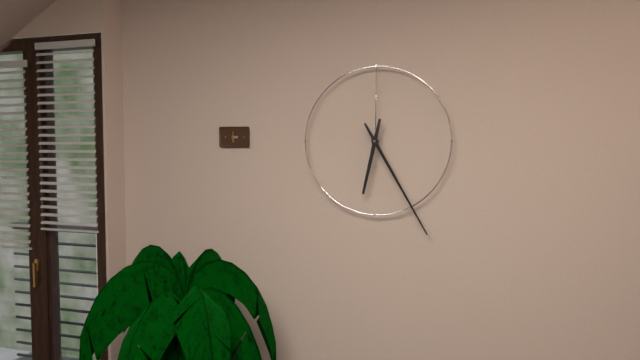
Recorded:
6.25
